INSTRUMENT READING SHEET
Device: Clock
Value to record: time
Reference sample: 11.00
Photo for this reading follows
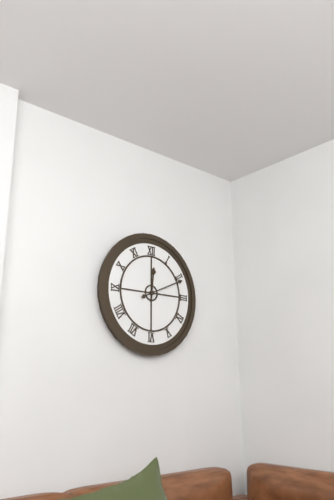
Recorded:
12.11
